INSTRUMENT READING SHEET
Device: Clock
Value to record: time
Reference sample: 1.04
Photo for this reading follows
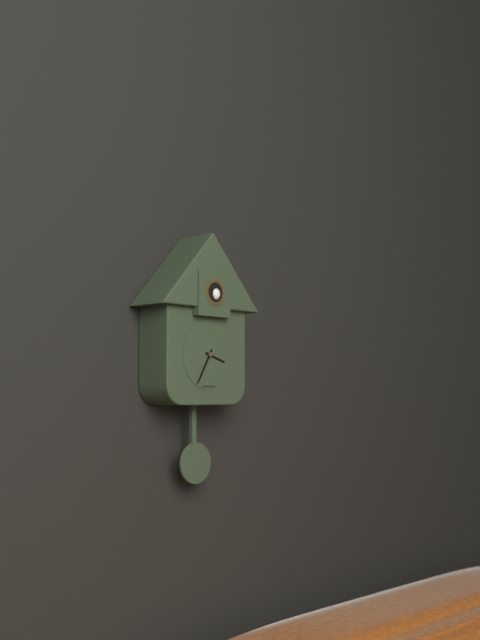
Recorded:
3.35
